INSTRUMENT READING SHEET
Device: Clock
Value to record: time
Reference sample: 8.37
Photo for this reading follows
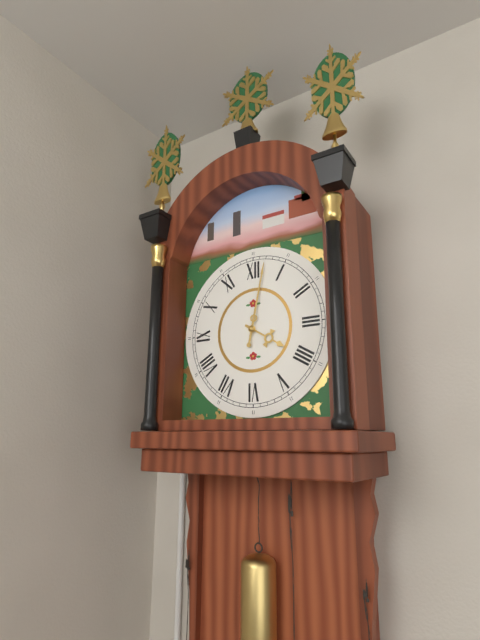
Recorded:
4.02
